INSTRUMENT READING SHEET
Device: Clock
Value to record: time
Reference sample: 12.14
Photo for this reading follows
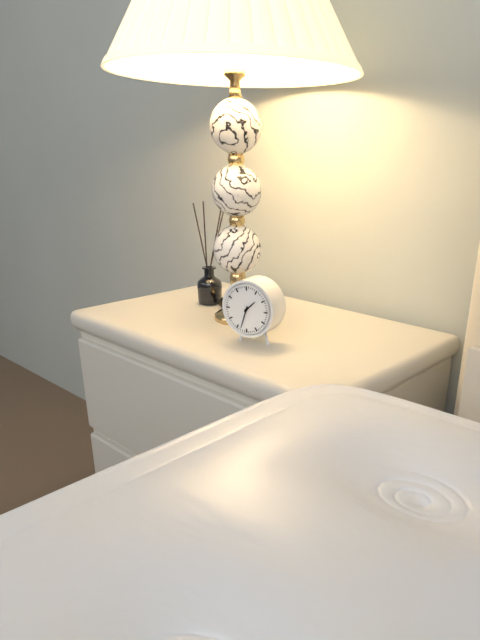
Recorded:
1.33
